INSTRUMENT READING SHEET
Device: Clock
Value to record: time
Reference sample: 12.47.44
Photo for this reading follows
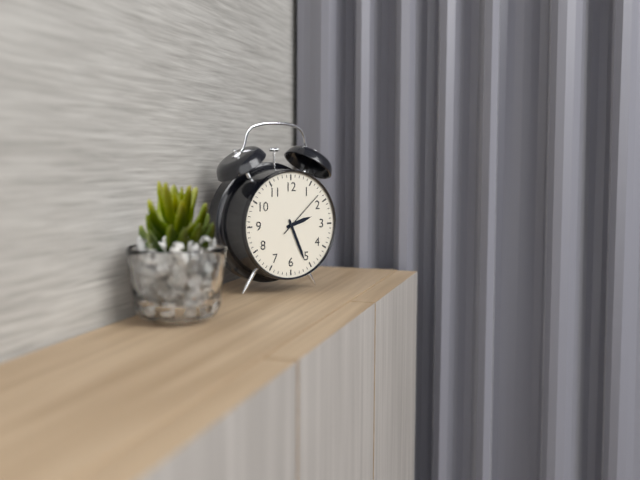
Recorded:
2.26.08
